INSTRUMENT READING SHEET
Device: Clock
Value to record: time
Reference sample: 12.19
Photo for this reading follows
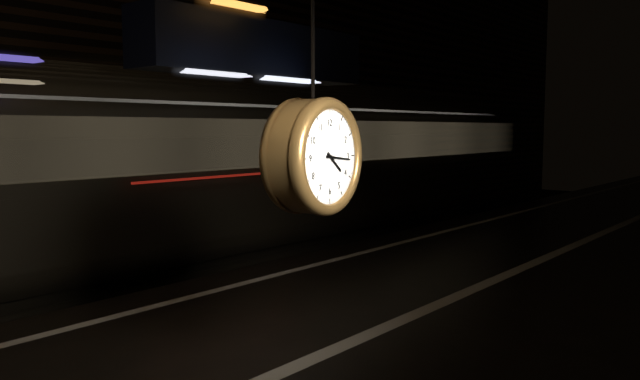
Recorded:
4.16
